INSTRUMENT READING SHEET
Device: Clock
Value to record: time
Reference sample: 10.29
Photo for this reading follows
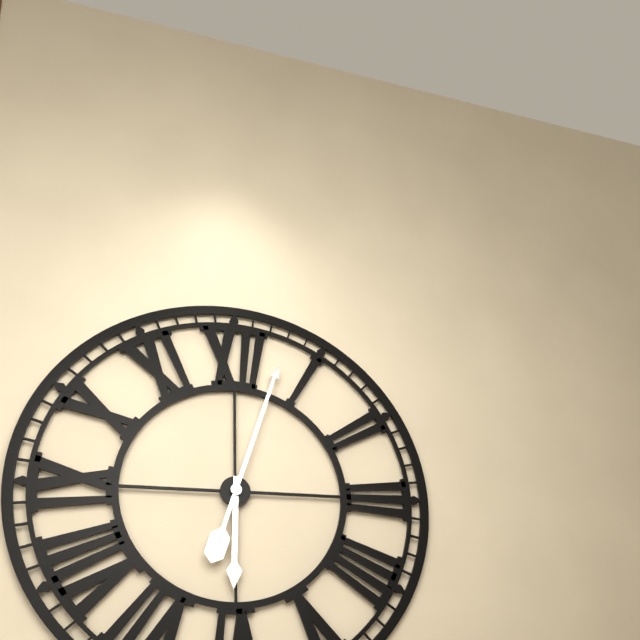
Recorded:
6.03
